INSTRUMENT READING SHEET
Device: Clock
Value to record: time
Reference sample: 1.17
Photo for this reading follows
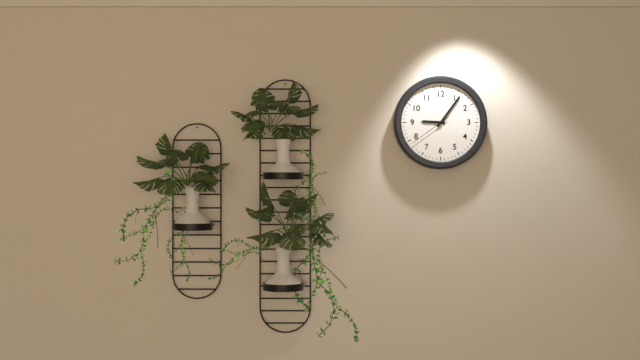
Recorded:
9.06
